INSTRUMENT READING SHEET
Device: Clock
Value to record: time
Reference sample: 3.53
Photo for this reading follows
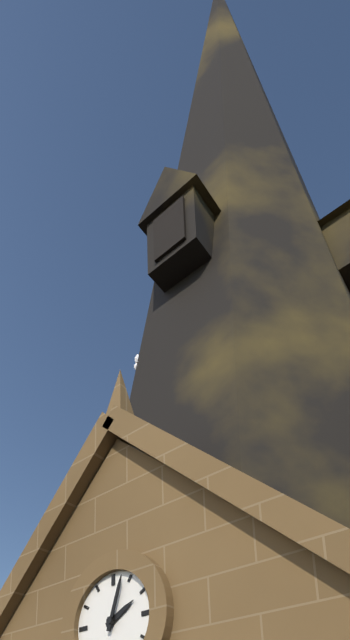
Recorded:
2.03
